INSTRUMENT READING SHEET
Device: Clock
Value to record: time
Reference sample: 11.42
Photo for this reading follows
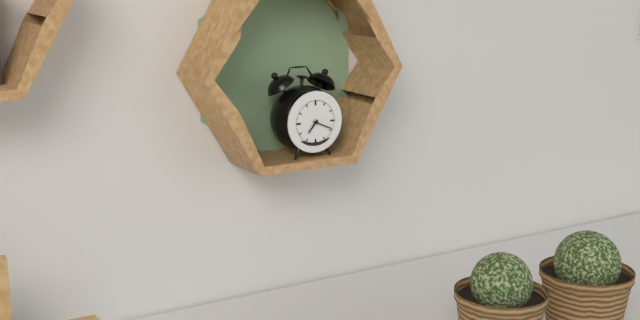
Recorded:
7.19
